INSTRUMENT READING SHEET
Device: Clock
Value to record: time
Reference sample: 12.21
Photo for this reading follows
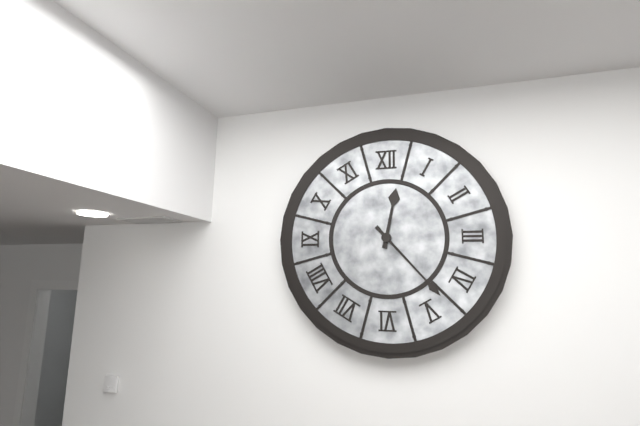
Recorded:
12.23
